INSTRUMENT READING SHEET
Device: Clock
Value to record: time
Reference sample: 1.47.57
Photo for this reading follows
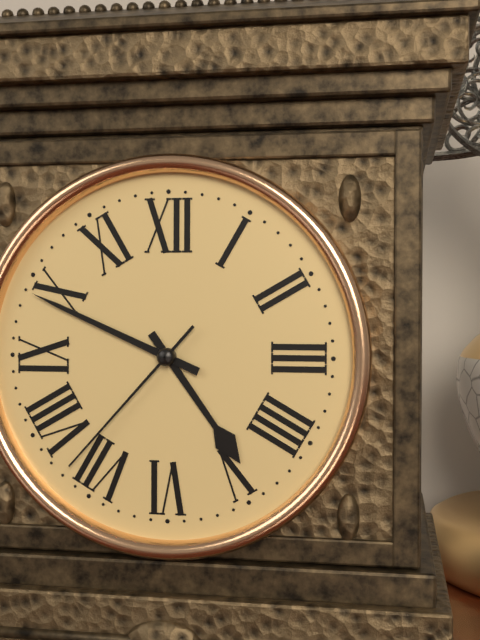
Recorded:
4.49.37
